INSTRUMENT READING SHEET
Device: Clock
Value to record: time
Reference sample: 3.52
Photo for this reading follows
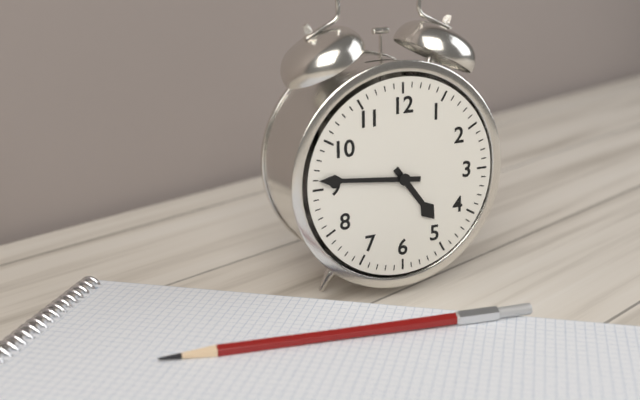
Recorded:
4.46
